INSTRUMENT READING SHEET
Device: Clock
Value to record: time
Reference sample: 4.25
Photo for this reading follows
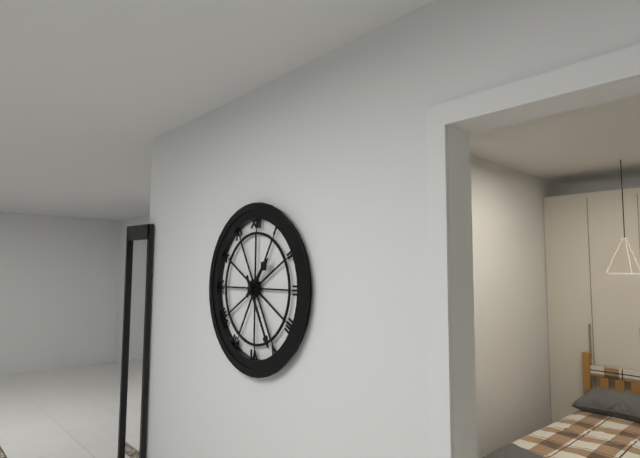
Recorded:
1.25
